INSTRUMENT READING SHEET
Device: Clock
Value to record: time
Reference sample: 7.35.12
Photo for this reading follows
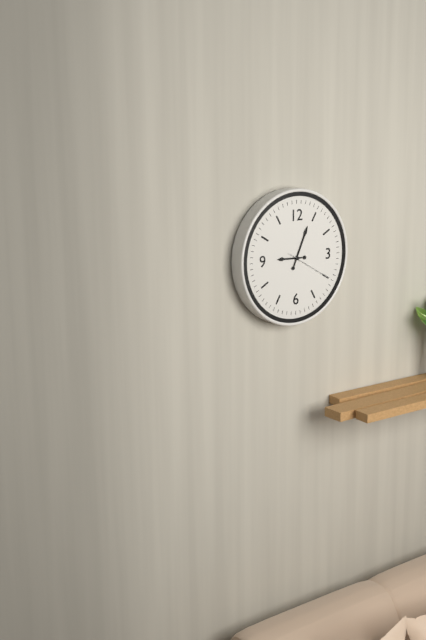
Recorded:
9.04.20
